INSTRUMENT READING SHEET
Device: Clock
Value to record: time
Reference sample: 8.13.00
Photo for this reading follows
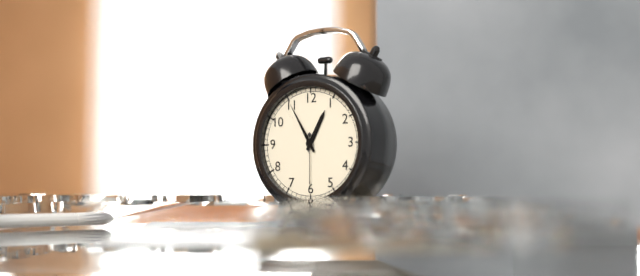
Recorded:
12.55.30
